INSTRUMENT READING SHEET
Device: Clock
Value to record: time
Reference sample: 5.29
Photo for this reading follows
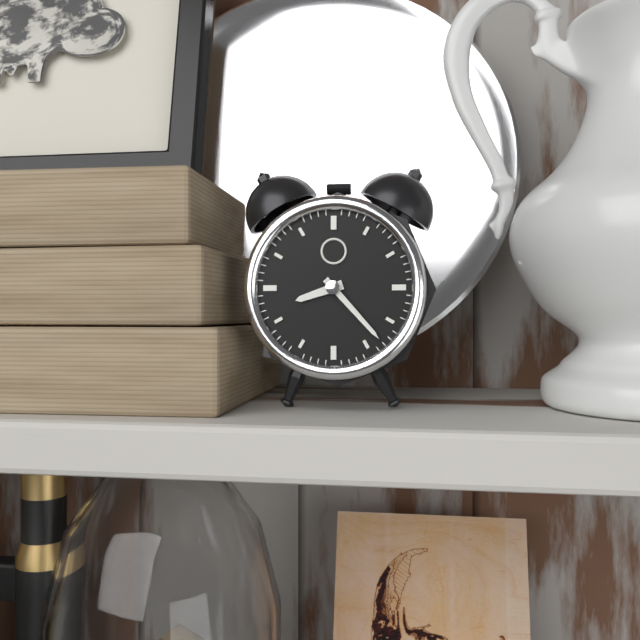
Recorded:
8.23
